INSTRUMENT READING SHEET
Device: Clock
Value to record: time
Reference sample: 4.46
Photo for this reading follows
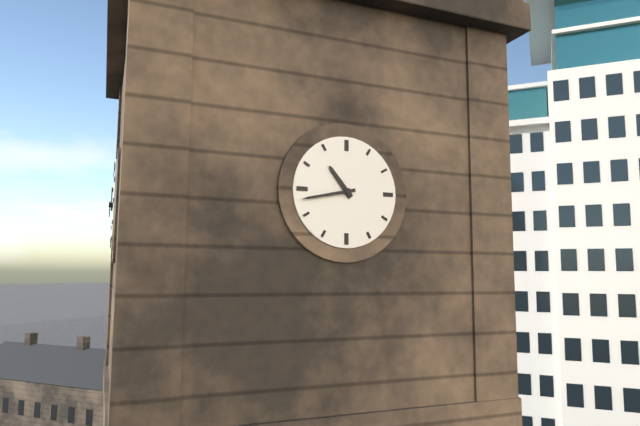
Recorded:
10.43
